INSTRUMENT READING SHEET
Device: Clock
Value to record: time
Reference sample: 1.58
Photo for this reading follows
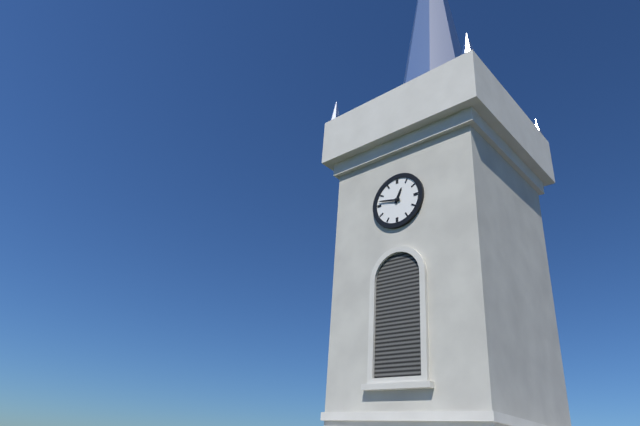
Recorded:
12.47
